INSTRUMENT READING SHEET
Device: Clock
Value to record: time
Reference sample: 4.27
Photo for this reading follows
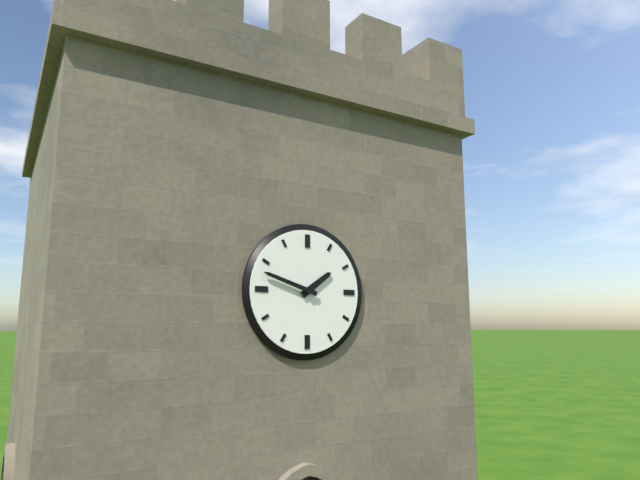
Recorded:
1.48
